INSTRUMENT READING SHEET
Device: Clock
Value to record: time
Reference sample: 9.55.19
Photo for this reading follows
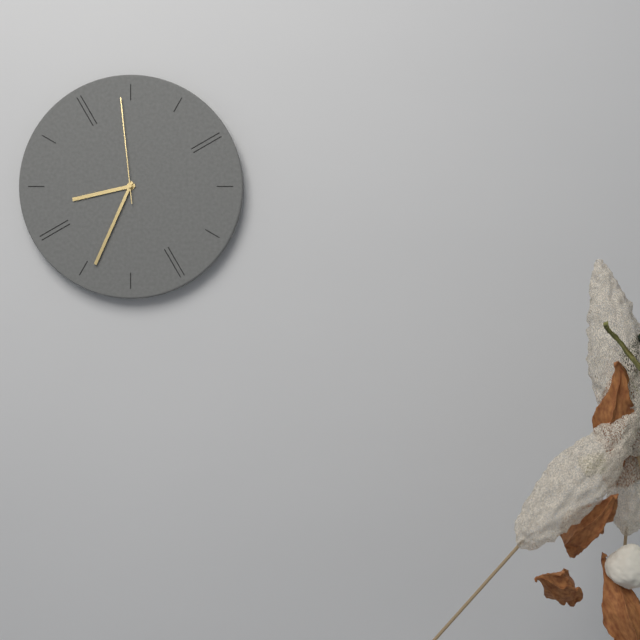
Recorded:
8.34.59
